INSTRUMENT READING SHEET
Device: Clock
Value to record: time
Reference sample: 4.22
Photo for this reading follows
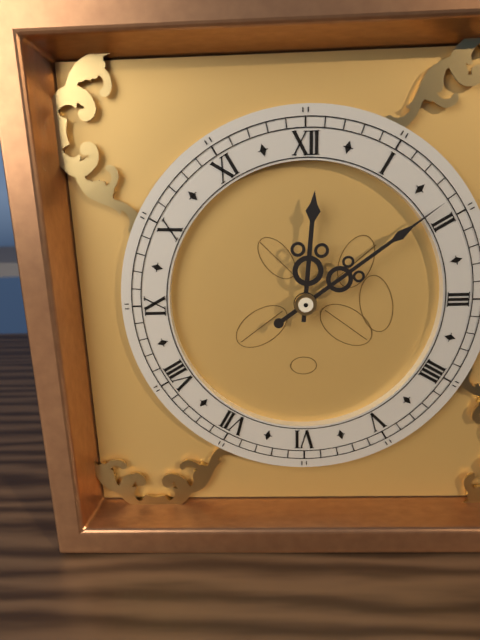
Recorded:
12.09
